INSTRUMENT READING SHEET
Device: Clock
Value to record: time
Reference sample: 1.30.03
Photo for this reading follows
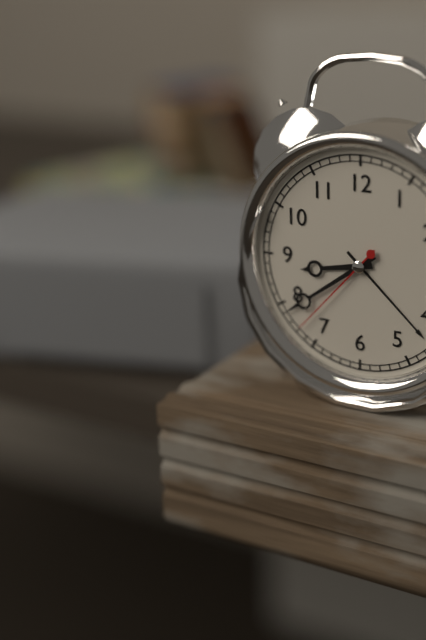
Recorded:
8.39.37
